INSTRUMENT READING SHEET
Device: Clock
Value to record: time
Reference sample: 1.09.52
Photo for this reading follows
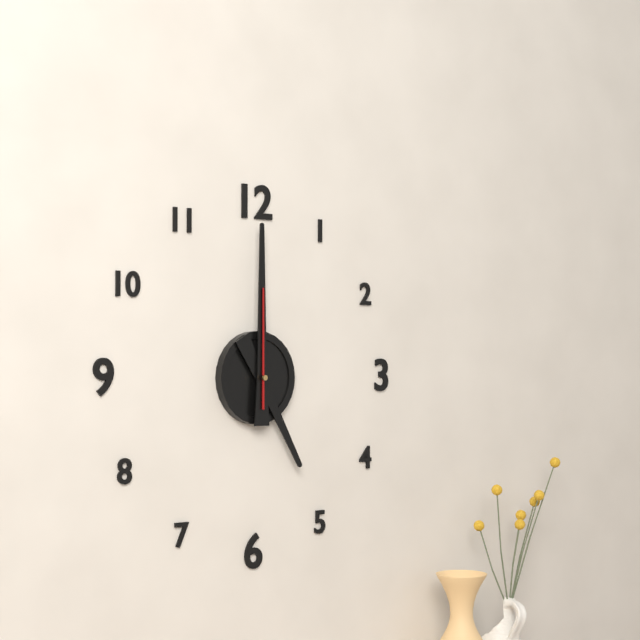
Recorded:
5.00.00
